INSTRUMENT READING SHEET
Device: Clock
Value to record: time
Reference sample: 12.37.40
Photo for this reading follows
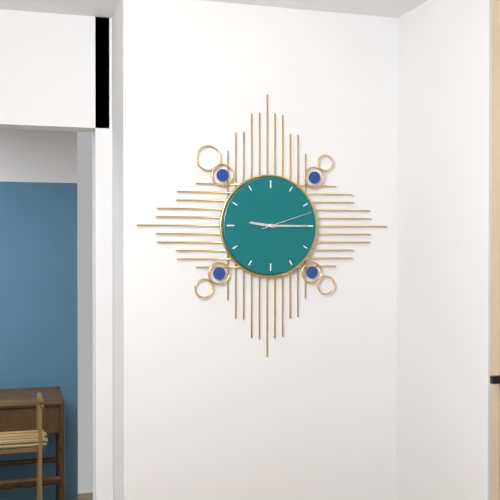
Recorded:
9.15.12
